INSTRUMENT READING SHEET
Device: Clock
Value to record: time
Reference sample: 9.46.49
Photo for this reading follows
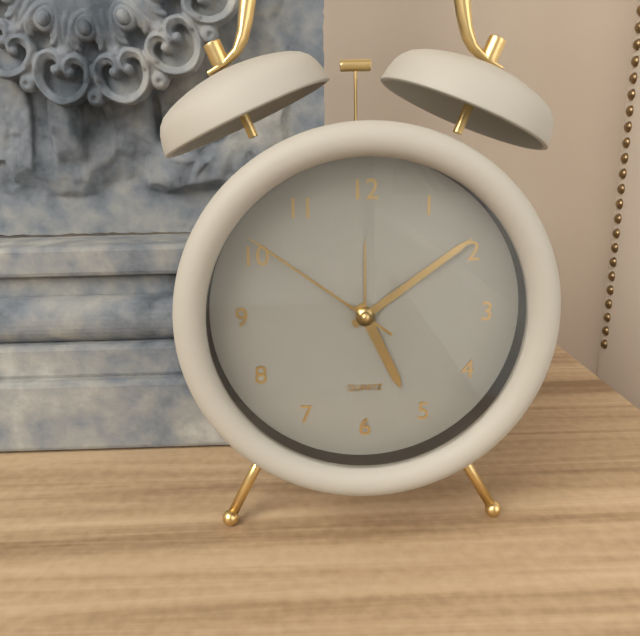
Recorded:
5.09.51
